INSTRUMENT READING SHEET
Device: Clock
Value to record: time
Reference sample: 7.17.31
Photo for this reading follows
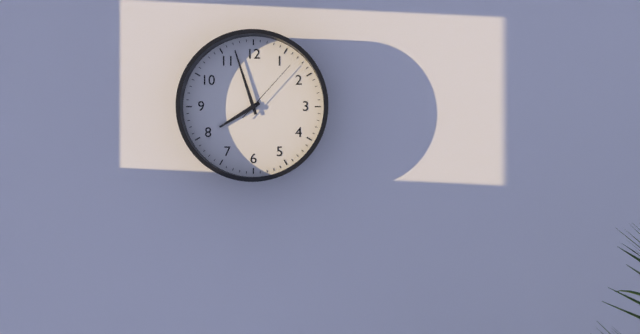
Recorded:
7.57.07
